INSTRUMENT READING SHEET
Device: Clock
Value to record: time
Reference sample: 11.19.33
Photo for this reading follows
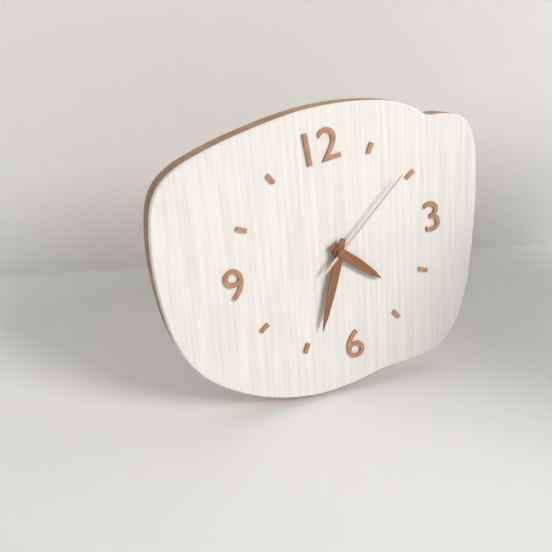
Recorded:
4.34.09
